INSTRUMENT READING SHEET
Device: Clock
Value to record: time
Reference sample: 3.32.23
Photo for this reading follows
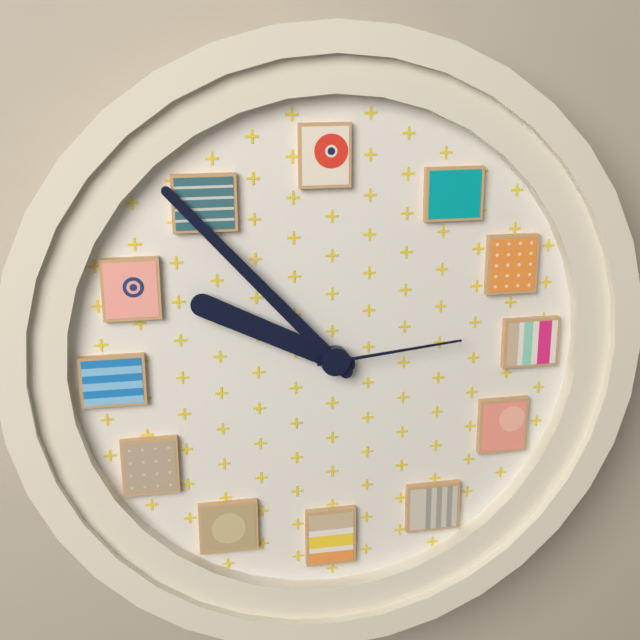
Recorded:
9.53.14
